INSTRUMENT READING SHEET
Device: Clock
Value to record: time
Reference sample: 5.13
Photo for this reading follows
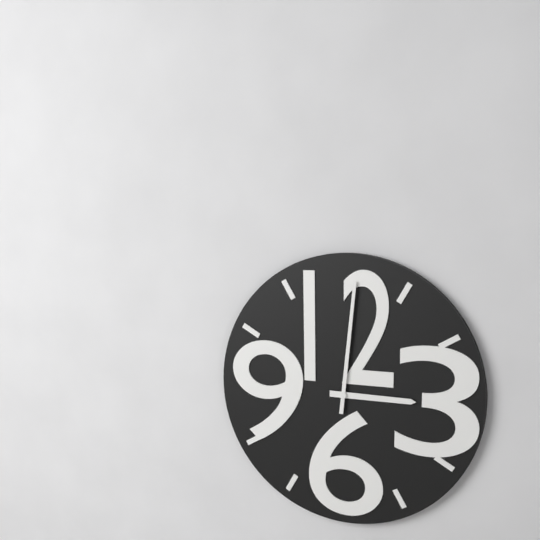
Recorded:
3.01
